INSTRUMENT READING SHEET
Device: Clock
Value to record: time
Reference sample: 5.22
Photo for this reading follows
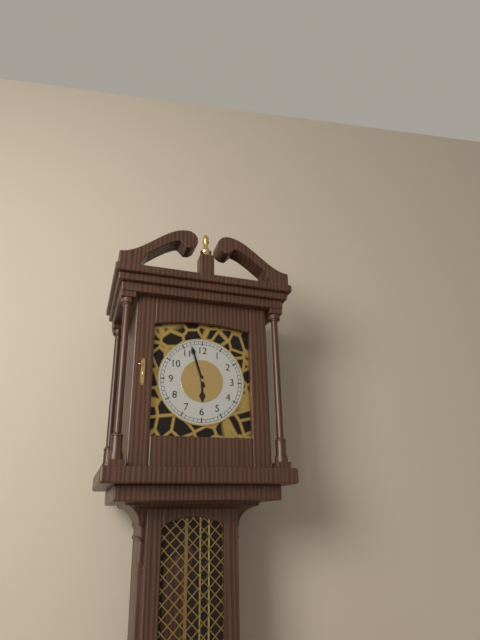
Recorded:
5.57
